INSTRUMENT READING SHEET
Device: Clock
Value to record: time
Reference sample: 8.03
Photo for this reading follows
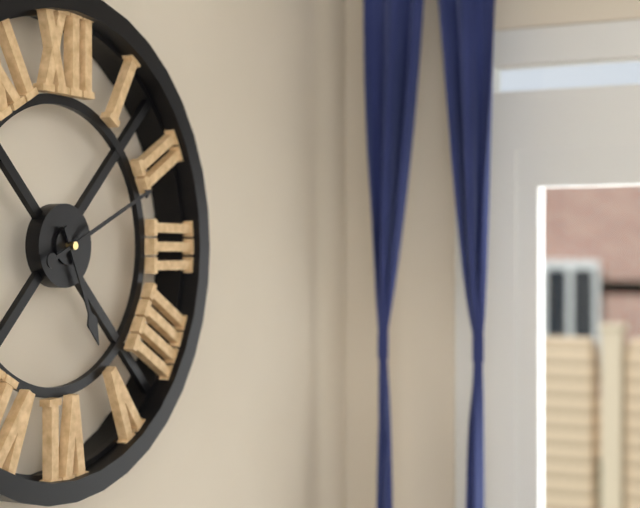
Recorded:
5.11
